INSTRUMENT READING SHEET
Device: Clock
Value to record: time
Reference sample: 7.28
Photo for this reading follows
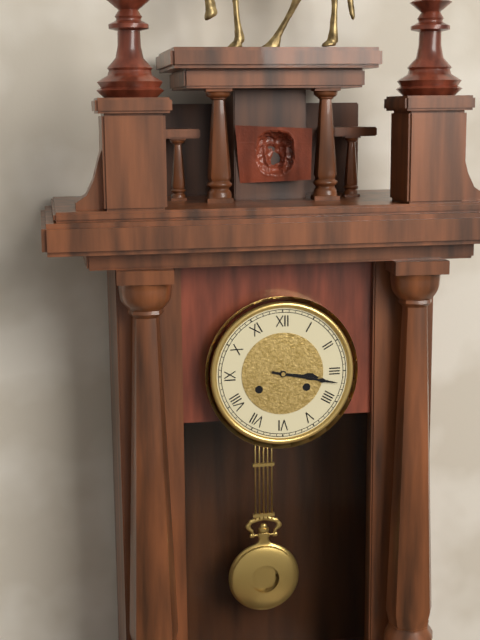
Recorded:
3.17
